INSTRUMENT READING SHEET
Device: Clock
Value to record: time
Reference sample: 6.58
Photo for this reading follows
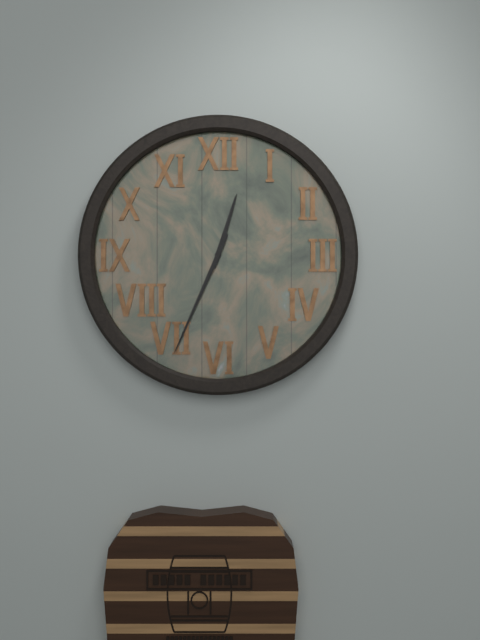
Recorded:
12.34
